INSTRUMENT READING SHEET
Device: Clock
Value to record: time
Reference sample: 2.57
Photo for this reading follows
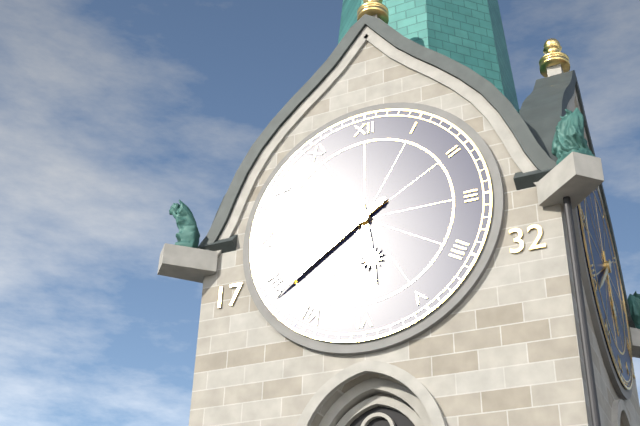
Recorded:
5.39
